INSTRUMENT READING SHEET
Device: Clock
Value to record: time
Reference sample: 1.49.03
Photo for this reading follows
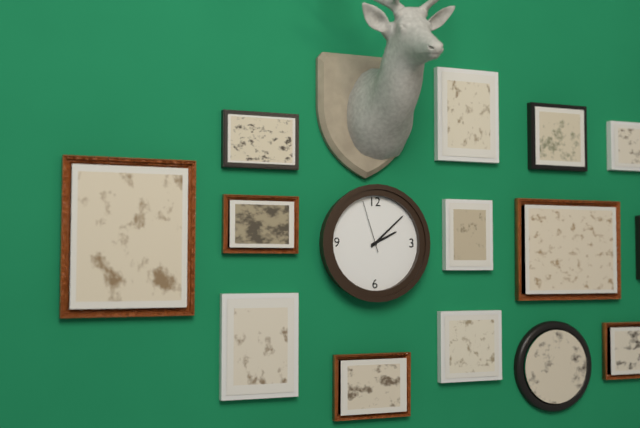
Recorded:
2.08.57
